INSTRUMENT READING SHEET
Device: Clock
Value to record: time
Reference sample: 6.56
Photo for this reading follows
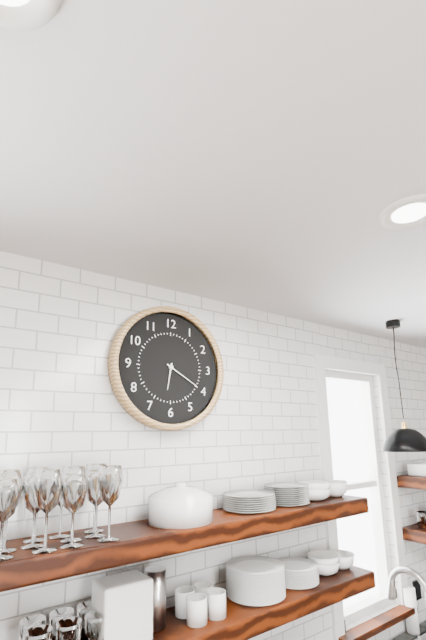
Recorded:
6.20
